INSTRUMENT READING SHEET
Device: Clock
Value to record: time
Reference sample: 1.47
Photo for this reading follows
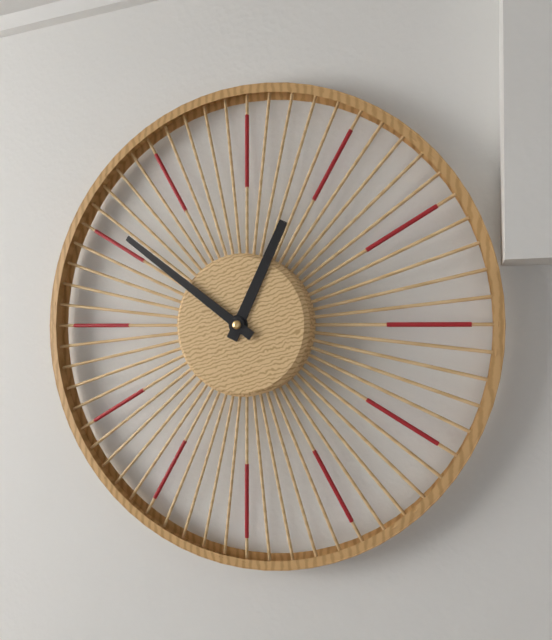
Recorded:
12.51
